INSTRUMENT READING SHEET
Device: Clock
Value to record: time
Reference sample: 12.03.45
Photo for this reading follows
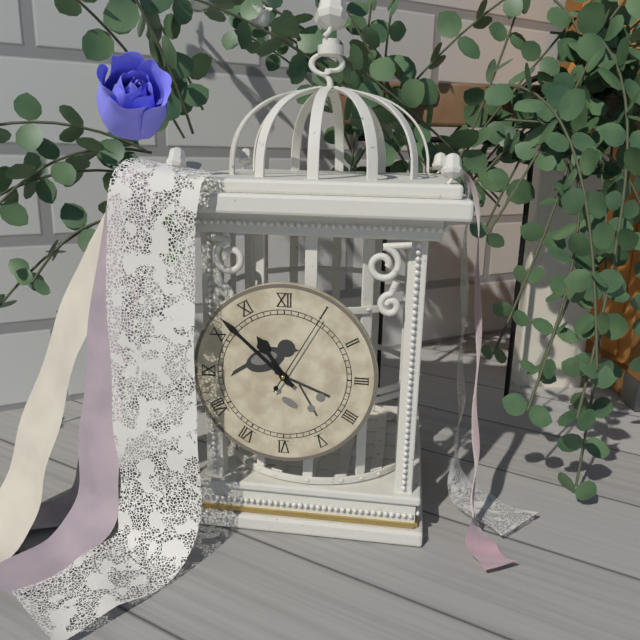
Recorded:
10.52.05
